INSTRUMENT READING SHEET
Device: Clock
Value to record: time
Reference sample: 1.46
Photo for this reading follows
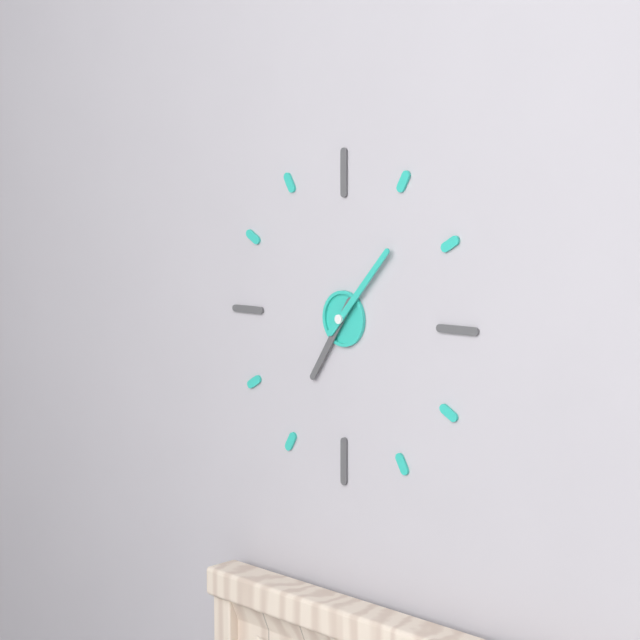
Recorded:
7.07
